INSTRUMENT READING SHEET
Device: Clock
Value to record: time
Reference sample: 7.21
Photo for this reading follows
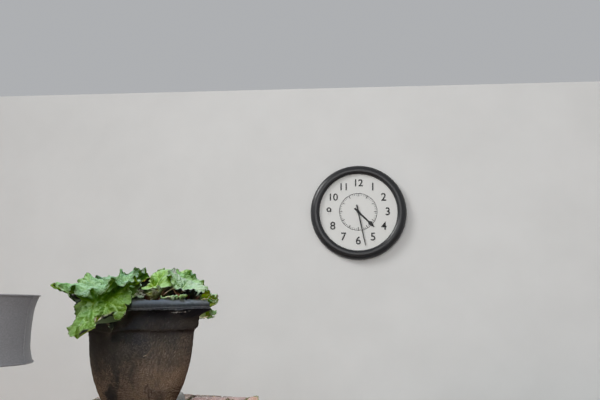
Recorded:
4.28
